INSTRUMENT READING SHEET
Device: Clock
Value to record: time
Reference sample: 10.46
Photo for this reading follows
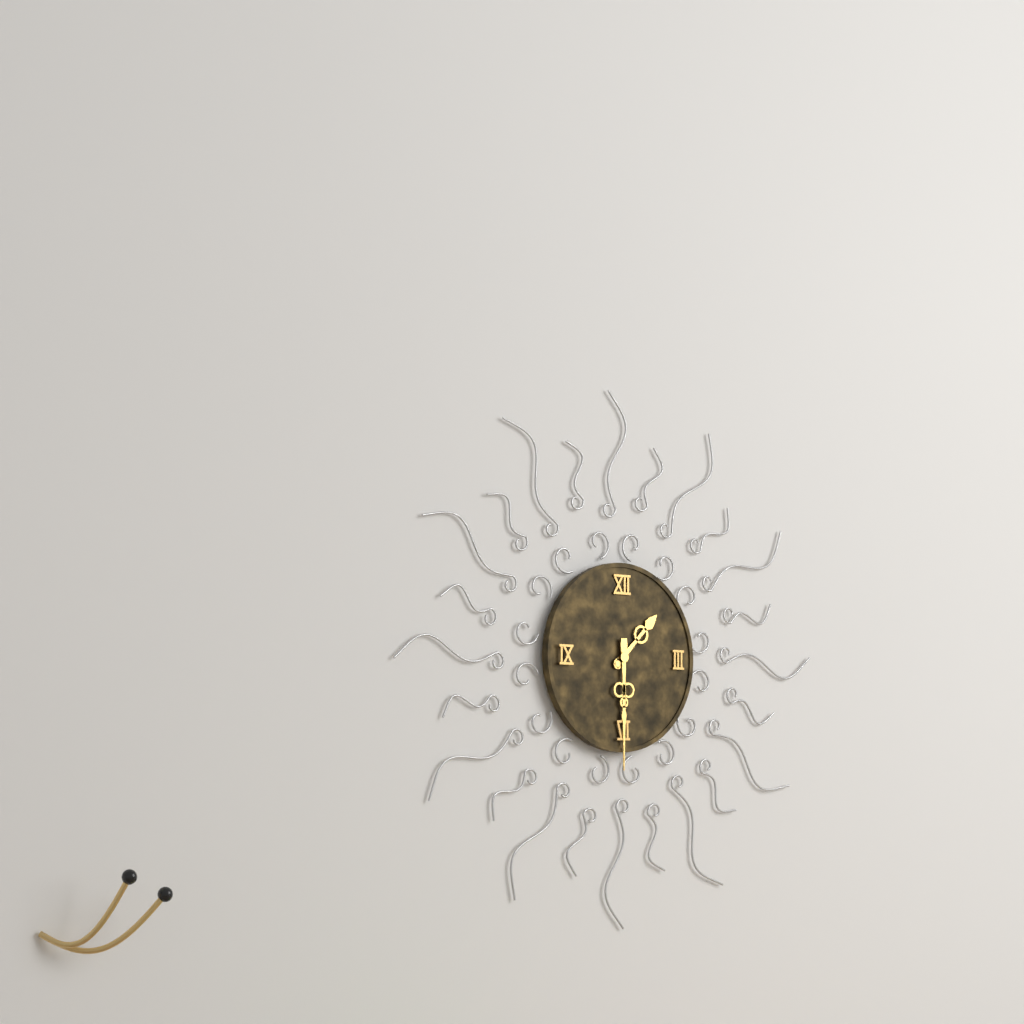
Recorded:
1.30
